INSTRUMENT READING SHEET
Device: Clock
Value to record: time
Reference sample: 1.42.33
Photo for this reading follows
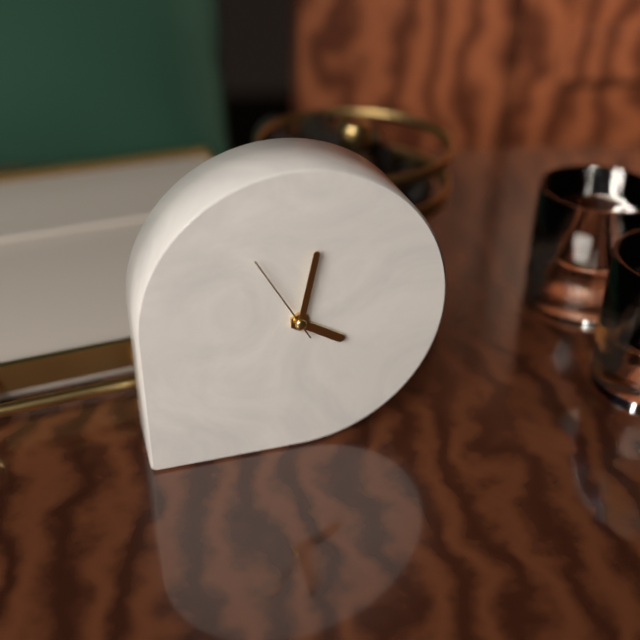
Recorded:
4.02.55
